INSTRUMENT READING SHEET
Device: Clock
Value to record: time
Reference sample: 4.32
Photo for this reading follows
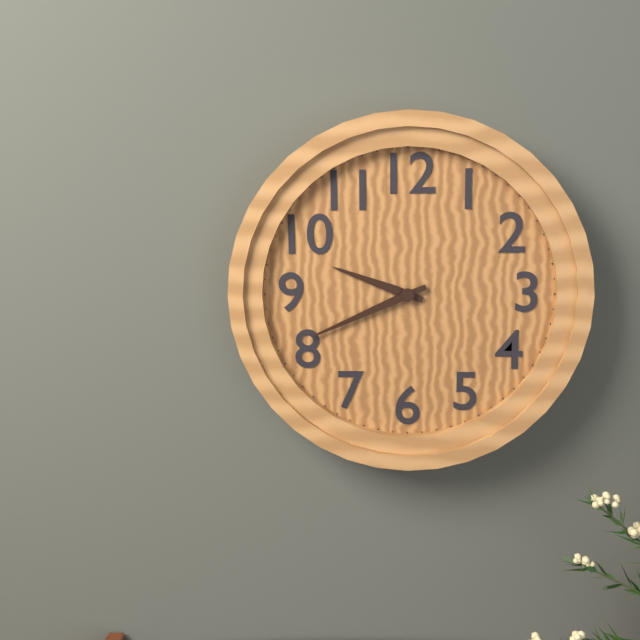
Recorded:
9.41
